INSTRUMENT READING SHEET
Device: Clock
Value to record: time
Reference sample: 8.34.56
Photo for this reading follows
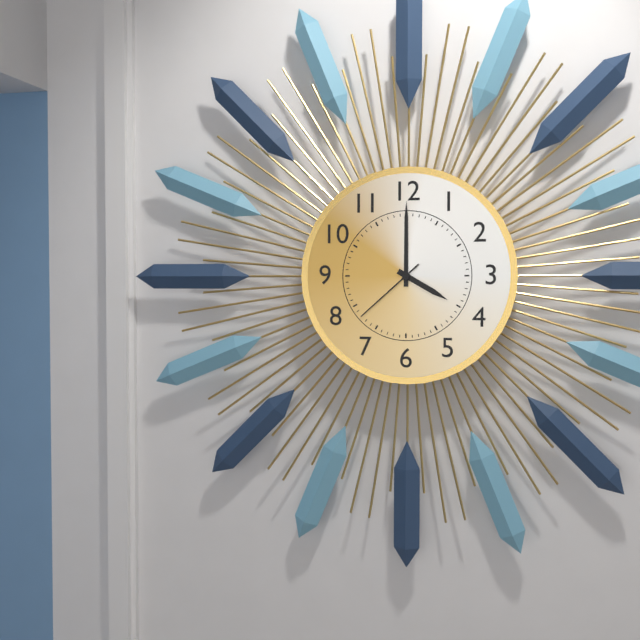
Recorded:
4.00.38
